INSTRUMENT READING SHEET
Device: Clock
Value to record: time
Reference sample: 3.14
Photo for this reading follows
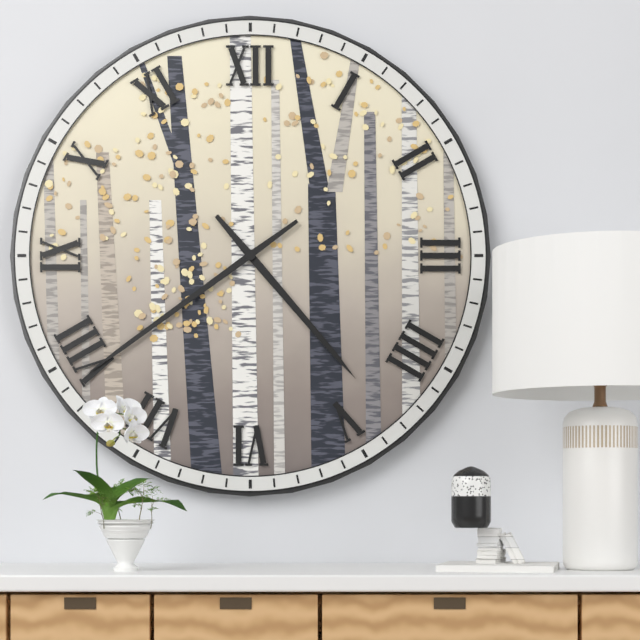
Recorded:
4.39
